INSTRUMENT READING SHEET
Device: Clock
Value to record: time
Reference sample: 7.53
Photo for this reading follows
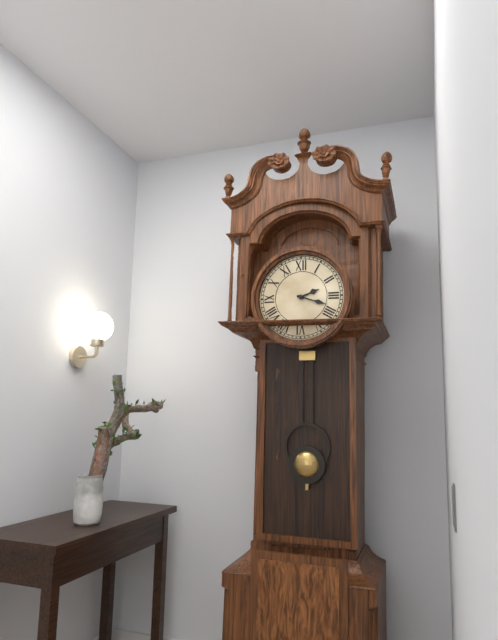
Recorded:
2.18
